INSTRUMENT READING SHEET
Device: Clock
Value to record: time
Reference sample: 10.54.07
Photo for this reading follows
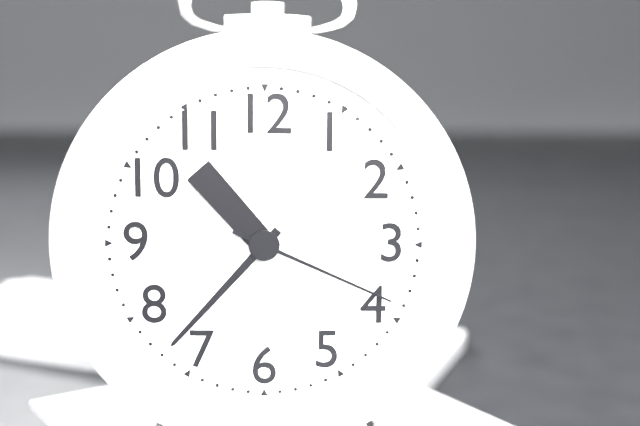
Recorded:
10.37.19
